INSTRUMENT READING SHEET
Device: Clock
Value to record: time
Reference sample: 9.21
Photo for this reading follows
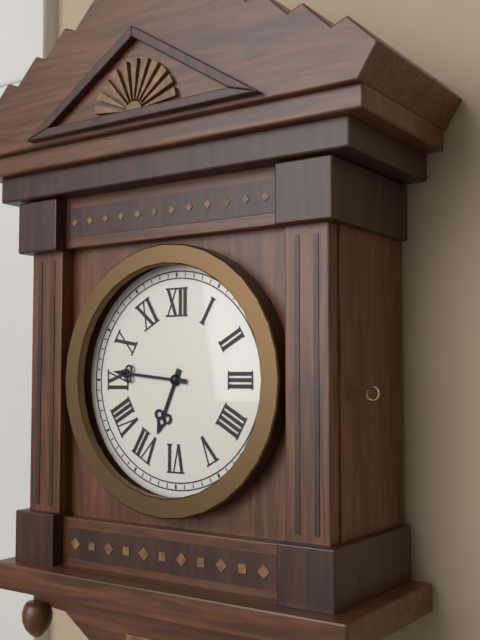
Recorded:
6.46
